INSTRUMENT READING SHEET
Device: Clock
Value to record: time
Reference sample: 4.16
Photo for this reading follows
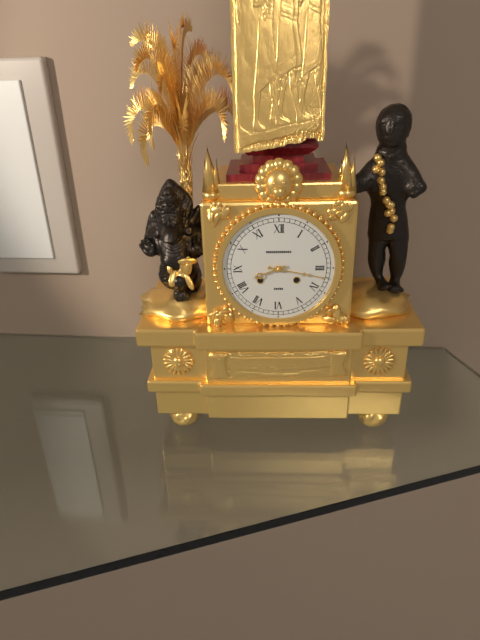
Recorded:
8.17
